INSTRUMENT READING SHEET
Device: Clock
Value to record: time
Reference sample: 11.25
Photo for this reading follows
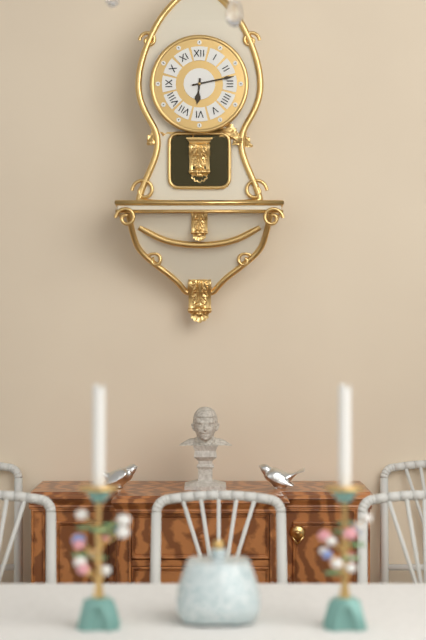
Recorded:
6.13
